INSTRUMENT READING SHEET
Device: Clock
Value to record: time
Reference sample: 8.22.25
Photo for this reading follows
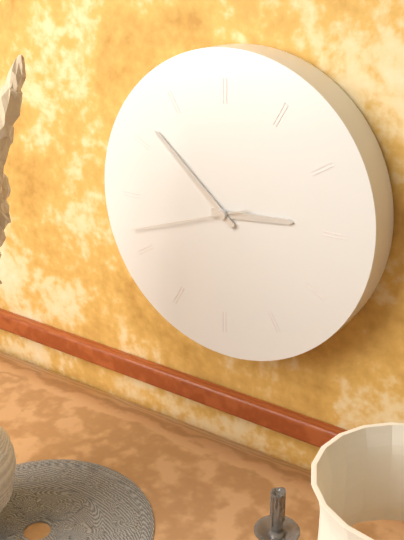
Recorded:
2.52.42
